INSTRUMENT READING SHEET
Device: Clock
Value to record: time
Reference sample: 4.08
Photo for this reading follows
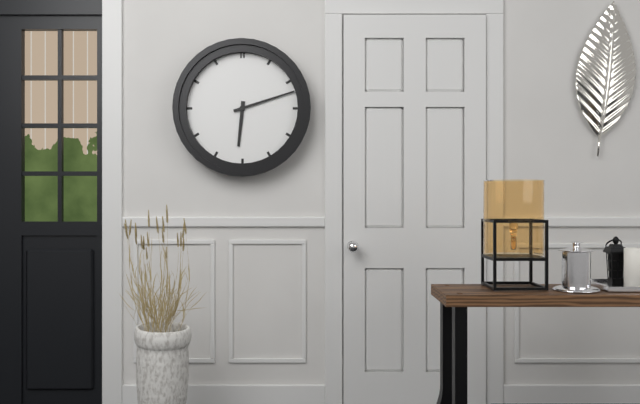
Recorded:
6.12
